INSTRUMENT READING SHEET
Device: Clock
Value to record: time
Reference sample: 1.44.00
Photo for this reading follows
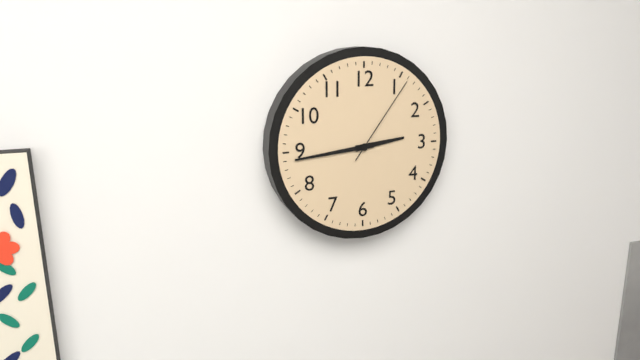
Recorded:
2.44.06
